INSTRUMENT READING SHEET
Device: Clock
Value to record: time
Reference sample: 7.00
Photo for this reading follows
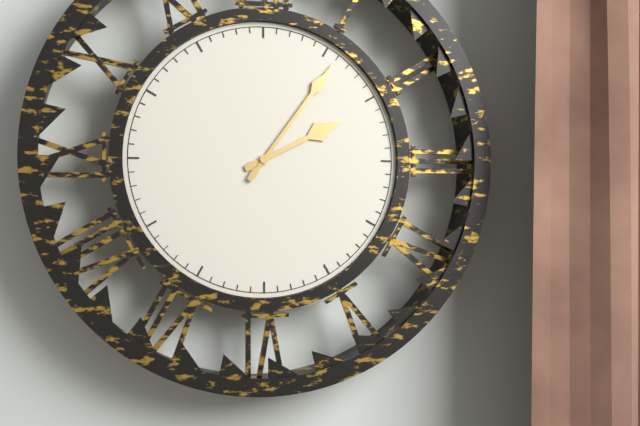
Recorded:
2.06
